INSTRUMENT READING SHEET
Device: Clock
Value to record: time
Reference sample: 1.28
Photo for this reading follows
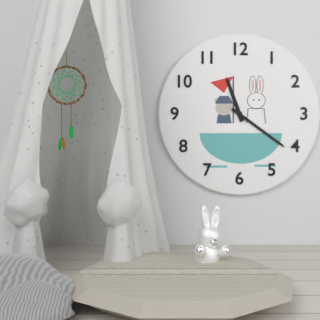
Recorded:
11.21
